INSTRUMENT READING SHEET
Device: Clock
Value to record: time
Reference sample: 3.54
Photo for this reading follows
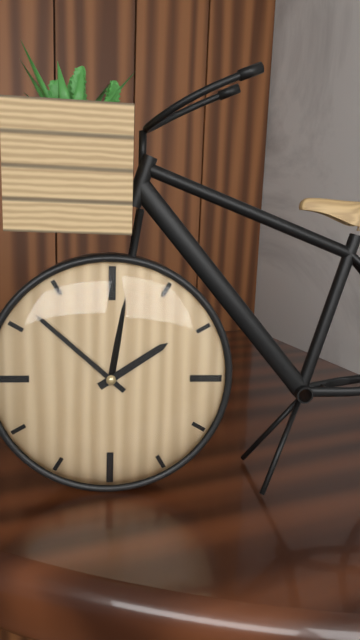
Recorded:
1.52
